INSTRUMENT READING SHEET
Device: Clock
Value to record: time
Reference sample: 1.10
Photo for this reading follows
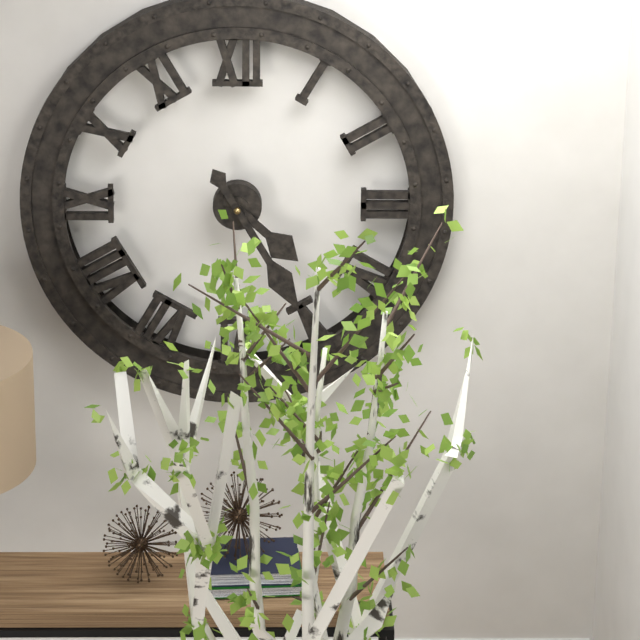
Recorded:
4.25
